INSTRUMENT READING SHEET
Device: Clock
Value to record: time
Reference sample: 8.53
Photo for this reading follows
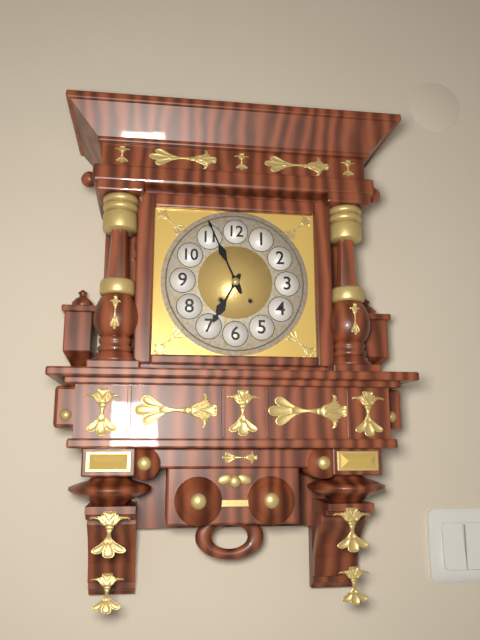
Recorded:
6.56
